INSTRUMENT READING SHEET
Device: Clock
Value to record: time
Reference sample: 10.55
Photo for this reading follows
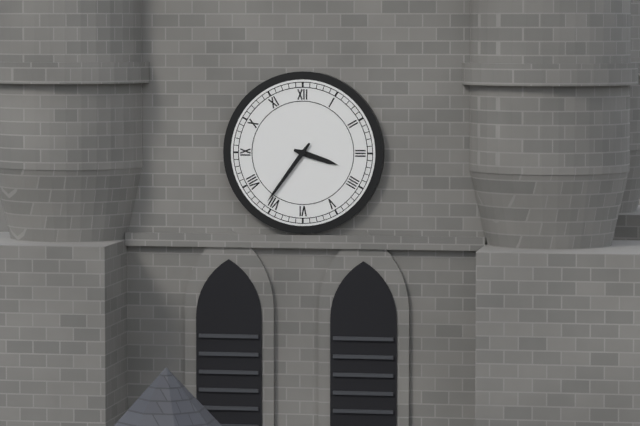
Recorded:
3.36
